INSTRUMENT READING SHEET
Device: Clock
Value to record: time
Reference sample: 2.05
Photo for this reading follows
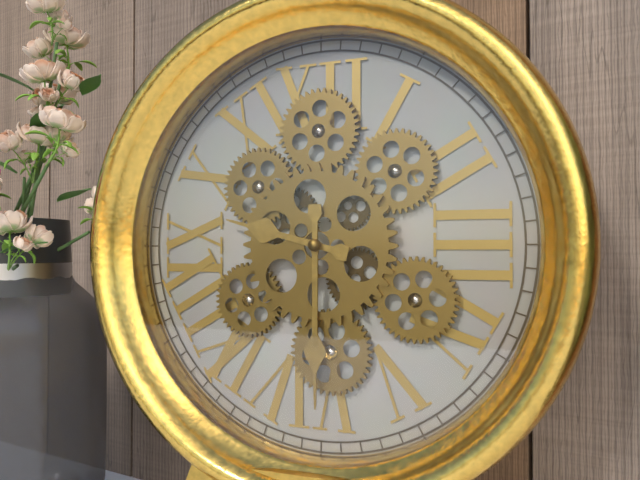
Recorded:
9.30
